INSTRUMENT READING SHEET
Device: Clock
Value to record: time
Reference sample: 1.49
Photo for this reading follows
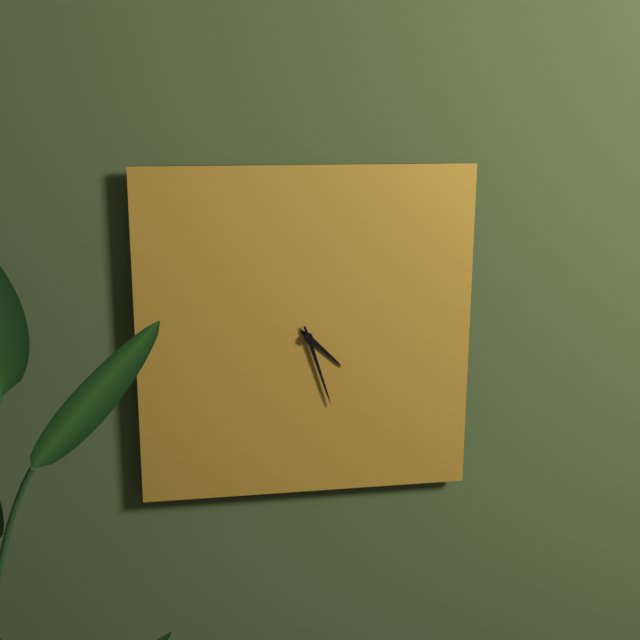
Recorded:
4.27
